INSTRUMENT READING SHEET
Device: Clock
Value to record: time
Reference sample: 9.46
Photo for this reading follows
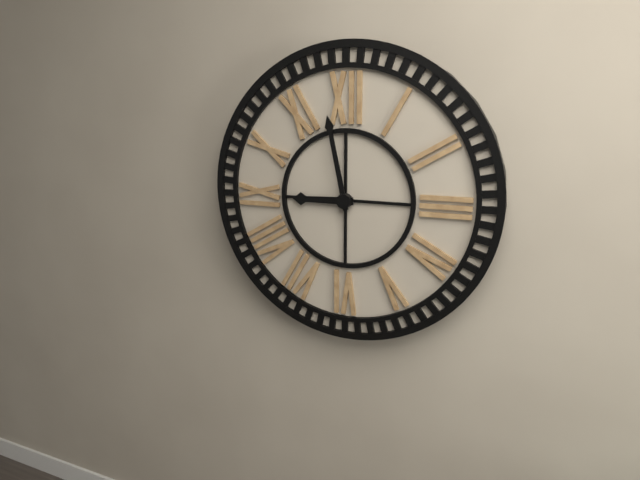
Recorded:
8.58
